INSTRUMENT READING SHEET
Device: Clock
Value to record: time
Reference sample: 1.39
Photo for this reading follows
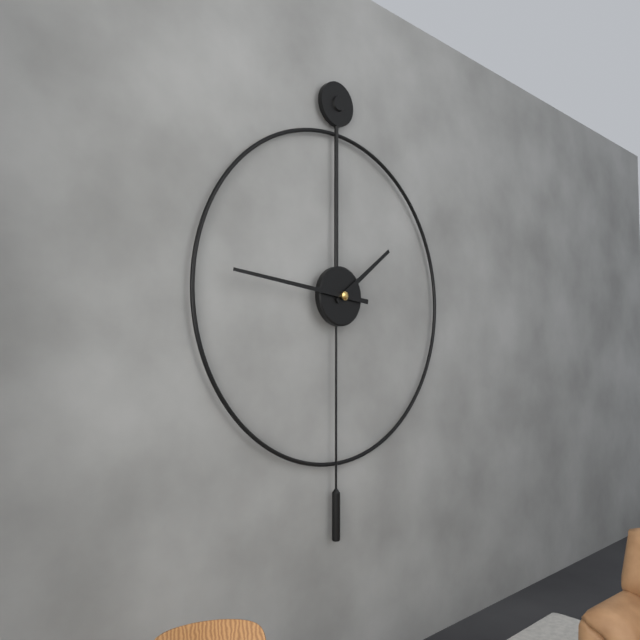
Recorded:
1.46
